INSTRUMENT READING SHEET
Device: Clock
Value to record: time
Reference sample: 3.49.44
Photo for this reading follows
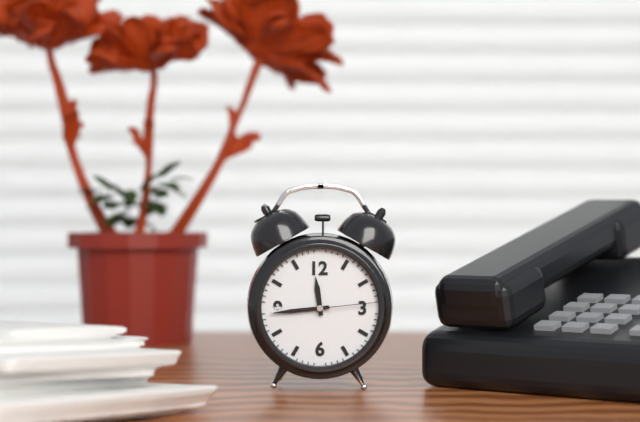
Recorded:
11.44.14
